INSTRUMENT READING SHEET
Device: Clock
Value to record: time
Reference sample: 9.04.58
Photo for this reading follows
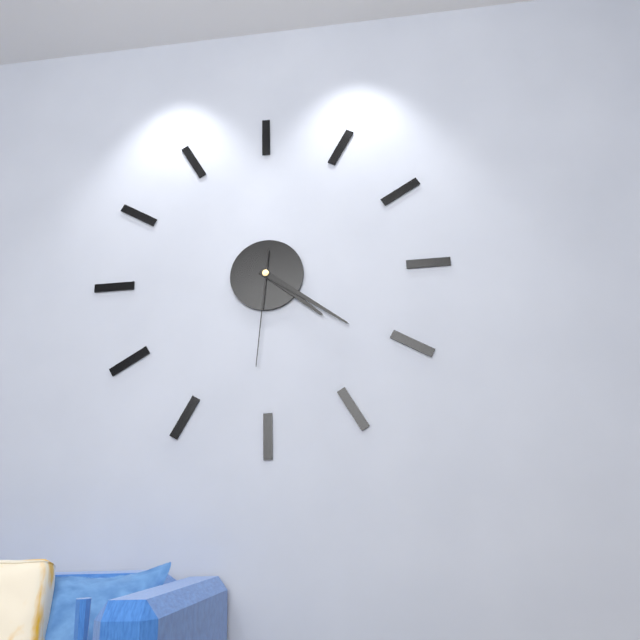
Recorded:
4.21.31
